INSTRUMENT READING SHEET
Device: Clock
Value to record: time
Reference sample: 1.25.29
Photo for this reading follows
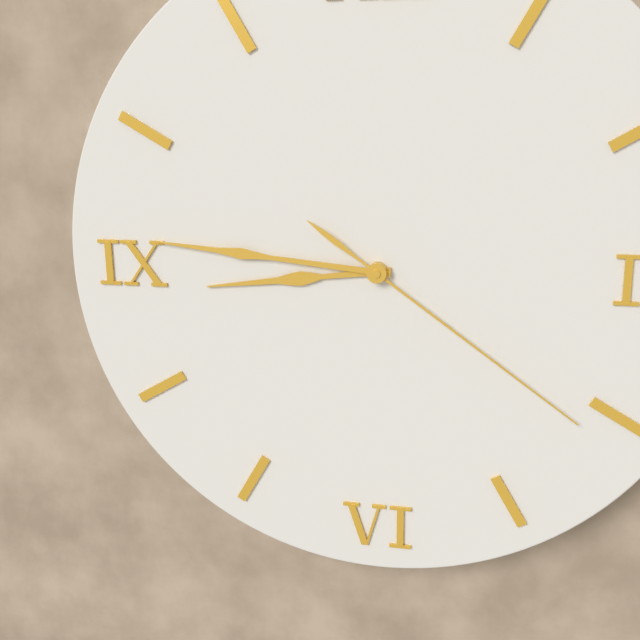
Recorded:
8.46.21
